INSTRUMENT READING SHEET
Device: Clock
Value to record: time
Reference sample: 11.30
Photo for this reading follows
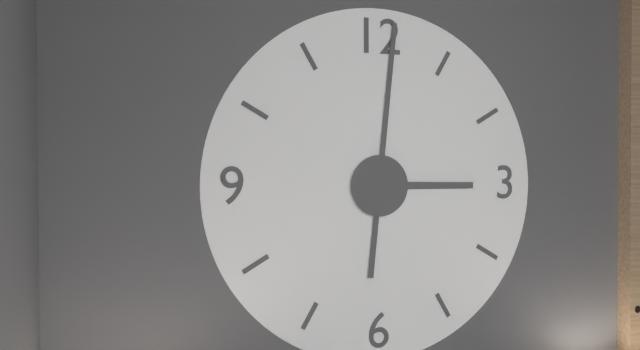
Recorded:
3.01
